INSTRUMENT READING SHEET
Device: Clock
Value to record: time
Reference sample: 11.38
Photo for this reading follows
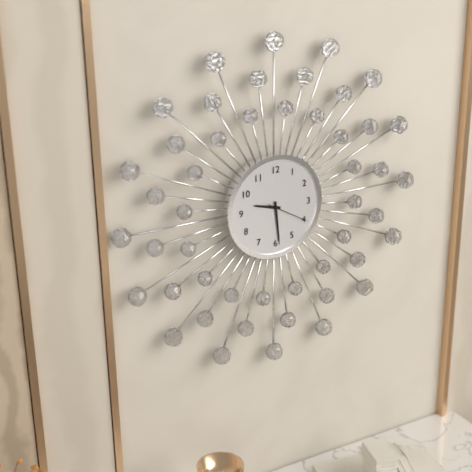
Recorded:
9.29
